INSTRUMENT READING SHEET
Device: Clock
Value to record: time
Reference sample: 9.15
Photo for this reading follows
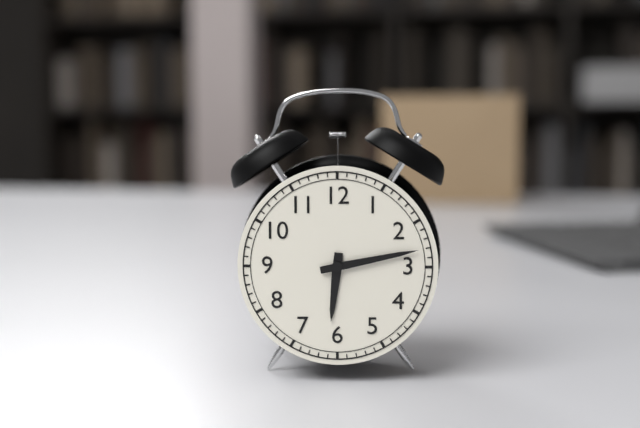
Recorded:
6.13
